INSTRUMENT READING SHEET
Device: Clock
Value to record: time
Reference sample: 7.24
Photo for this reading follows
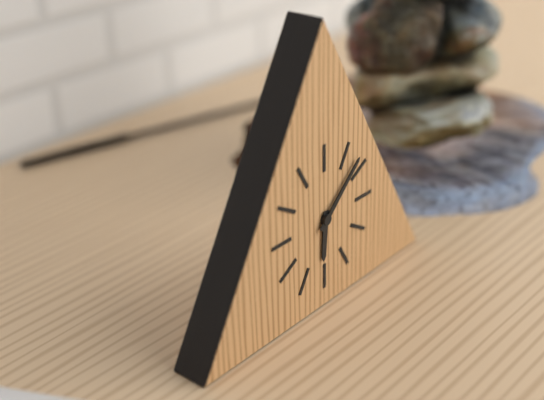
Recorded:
6.08
